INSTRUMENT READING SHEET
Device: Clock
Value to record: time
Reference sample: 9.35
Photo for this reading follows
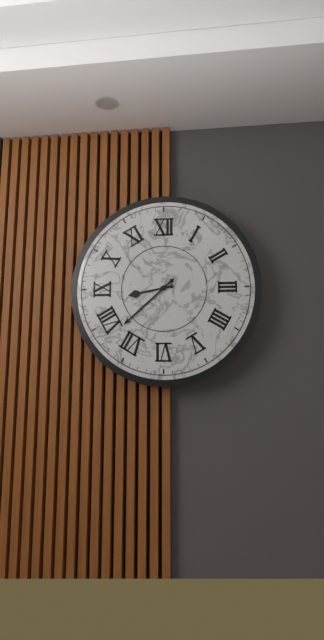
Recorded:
8.38
